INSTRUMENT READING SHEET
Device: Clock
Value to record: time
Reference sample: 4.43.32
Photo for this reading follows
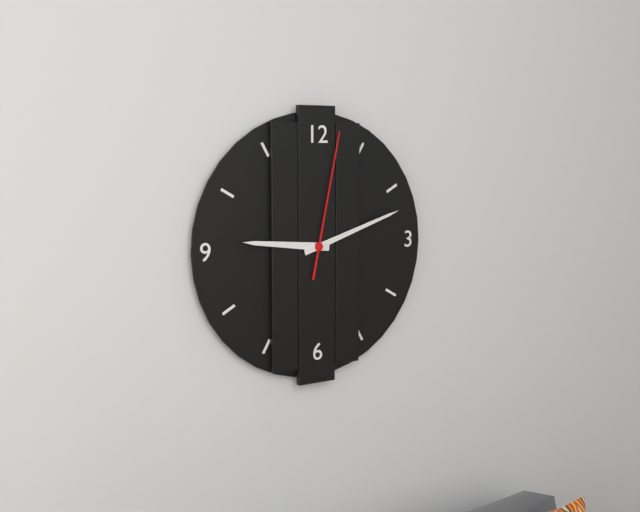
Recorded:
9.12.02
